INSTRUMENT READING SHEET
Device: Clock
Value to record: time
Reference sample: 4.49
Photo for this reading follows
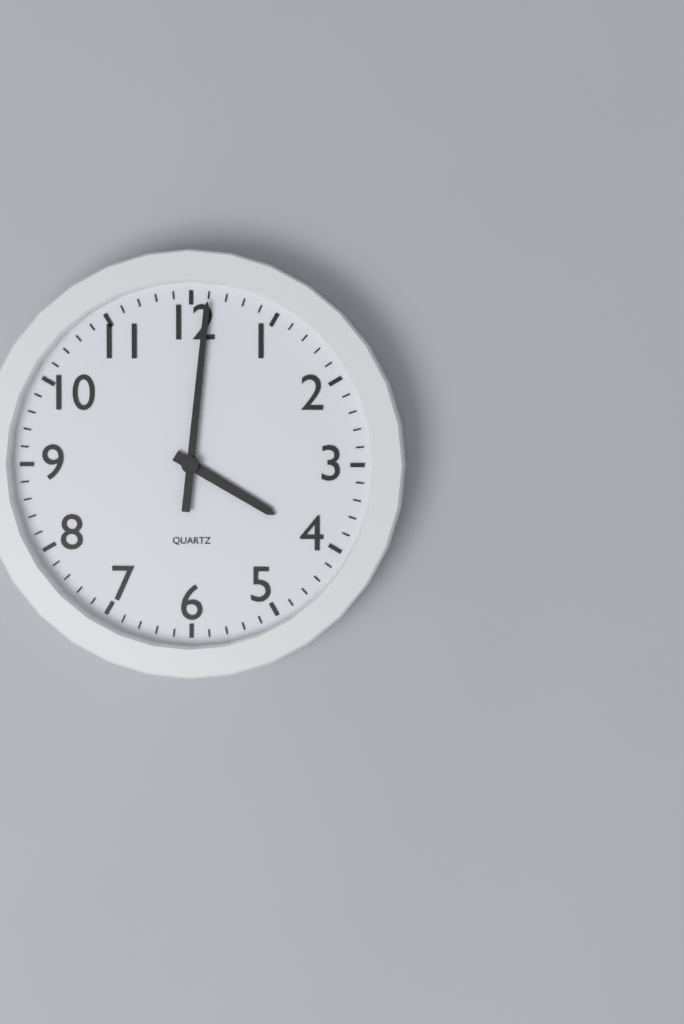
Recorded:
4.01
